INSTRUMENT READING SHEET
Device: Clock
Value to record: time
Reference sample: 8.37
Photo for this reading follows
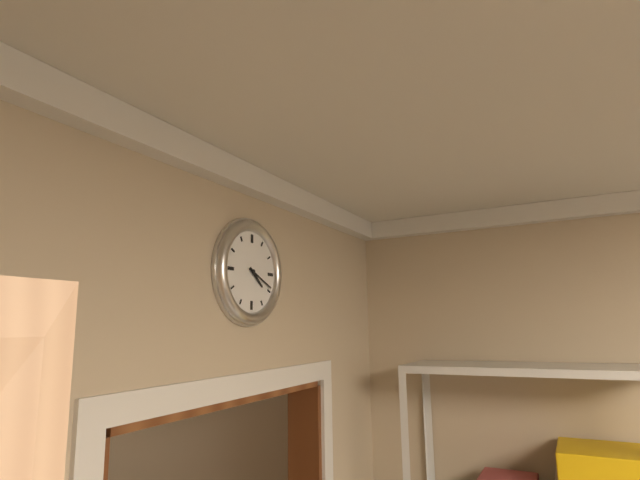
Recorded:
4.19
